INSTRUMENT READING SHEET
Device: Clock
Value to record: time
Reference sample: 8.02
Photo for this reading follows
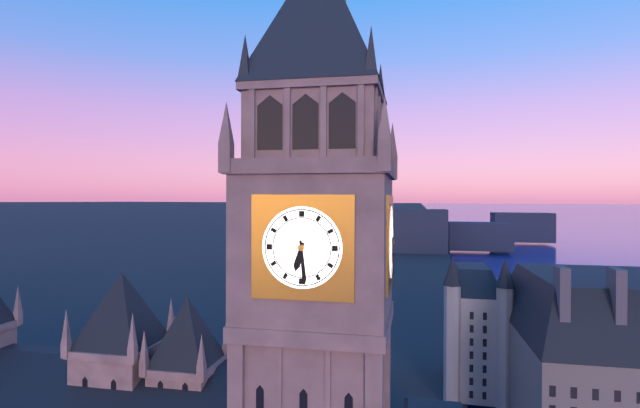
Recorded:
6.29
